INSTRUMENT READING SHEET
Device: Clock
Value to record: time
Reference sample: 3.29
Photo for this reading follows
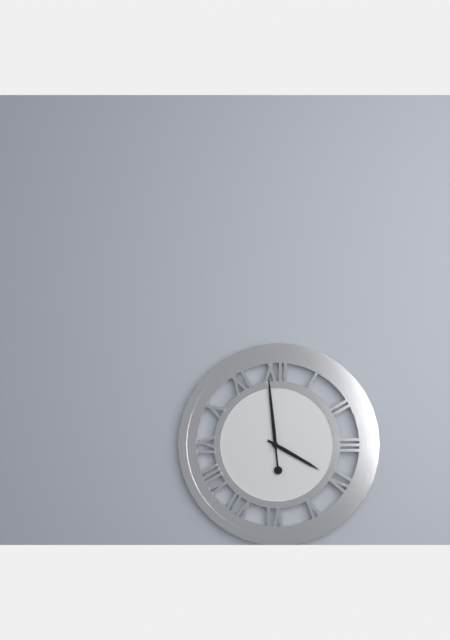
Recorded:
3.59
